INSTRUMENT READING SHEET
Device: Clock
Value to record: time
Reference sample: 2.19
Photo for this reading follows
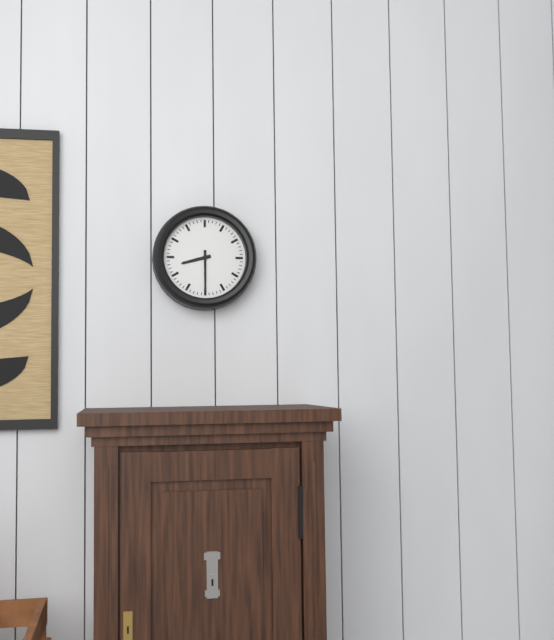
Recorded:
8.30
